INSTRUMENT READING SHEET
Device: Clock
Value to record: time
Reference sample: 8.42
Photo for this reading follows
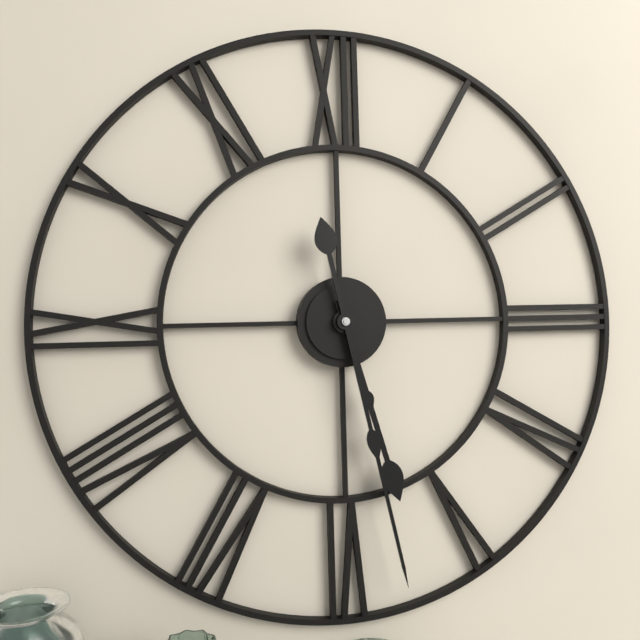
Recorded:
5.28
